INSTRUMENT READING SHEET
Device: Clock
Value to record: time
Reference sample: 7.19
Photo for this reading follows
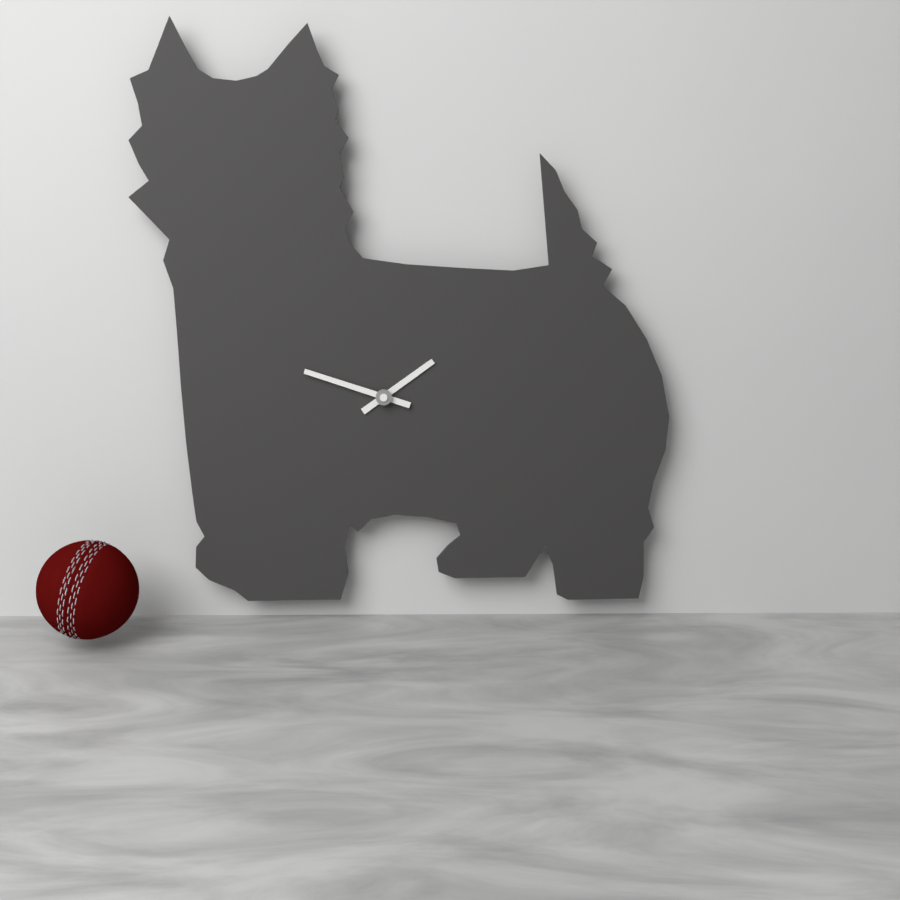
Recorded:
1.48
